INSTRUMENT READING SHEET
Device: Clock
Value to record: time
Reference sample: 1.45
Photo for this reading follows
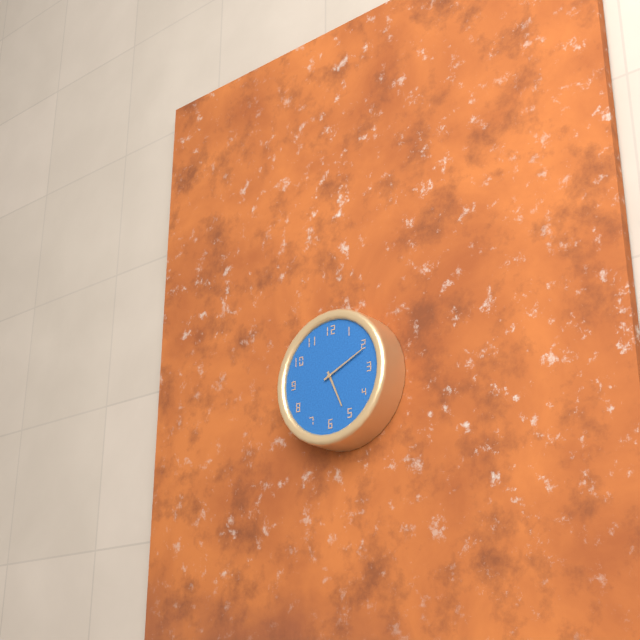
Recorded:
5.11
